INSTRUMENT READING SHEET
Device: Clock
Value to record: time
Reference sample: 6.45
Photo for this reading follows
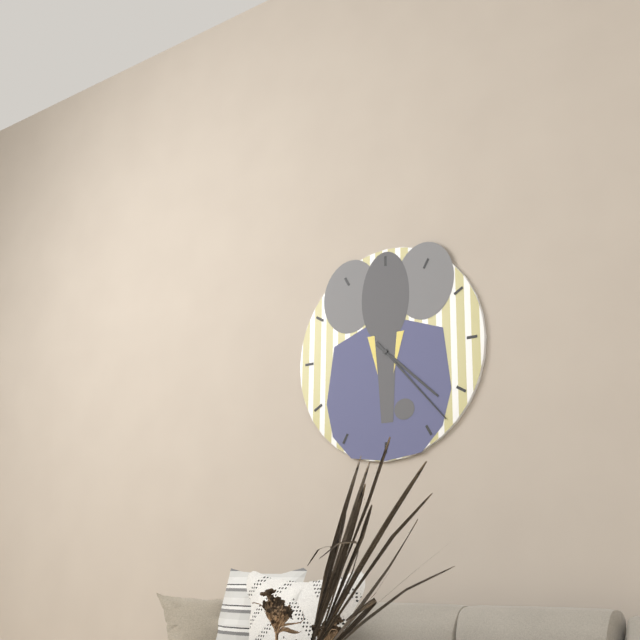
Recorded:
4.23
